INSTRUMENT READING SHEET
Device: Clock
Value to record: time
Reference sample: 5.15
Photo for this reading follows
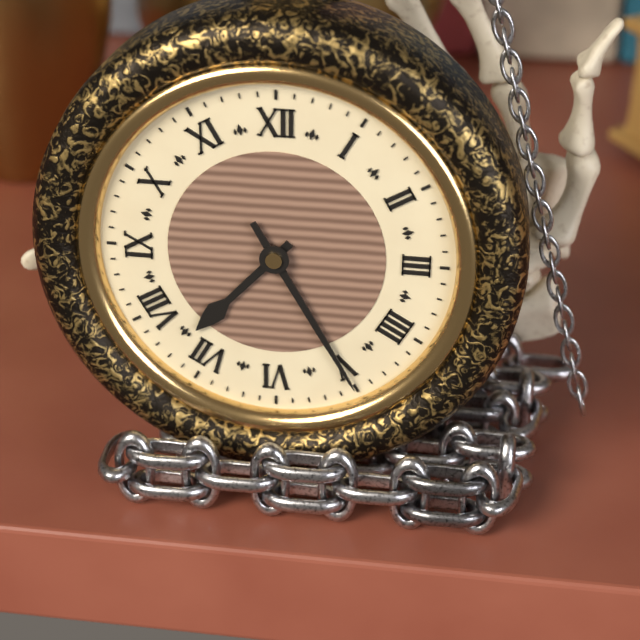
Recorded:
7.25
